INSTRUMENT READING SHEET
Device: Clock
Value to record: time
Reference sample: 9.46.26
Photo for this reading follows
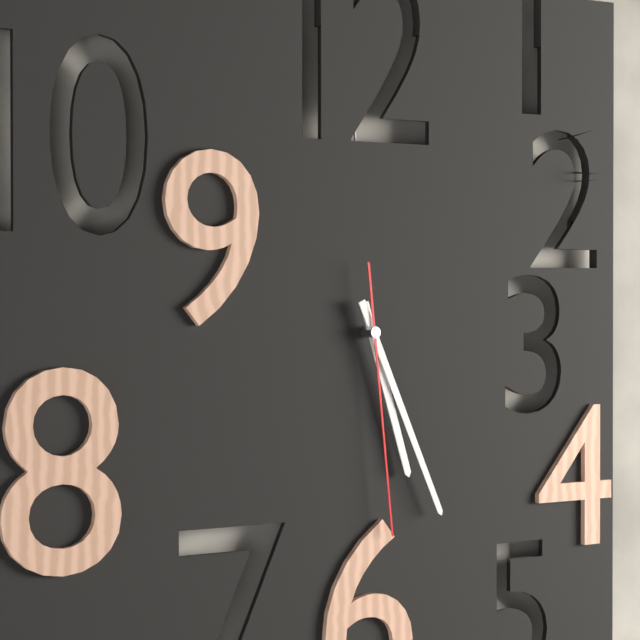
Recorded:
5.26.29
